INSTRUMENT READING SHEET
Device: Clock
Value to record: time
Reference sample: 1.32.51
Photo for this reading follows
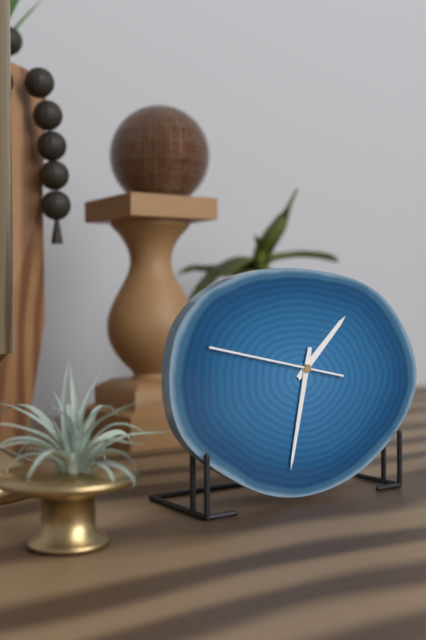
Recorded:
1.32.47
